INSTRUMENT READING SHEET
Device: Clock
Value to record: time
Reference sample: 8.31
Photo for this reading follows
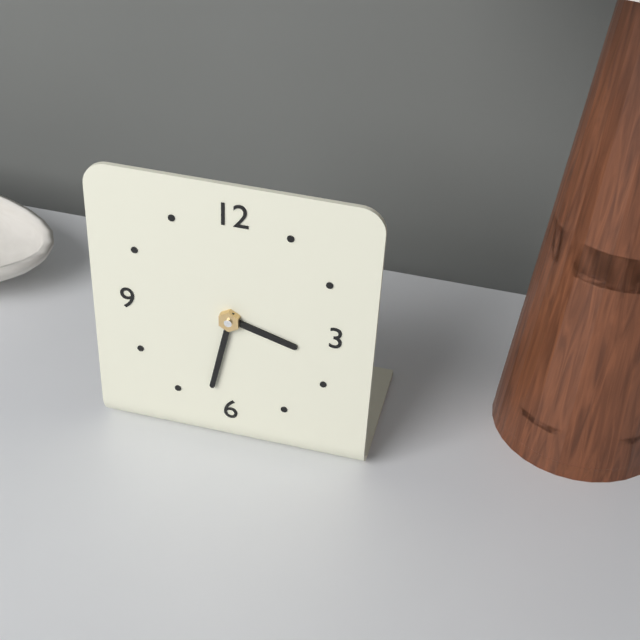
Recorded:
3.32
